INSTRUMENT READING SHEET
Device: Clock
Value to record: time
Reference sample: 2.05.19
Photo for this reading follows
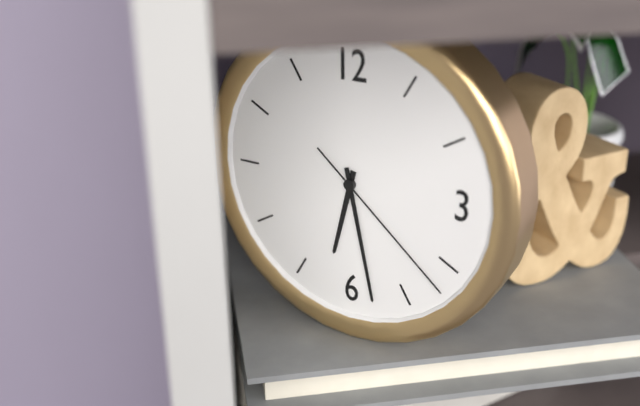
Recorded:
6.28.22
